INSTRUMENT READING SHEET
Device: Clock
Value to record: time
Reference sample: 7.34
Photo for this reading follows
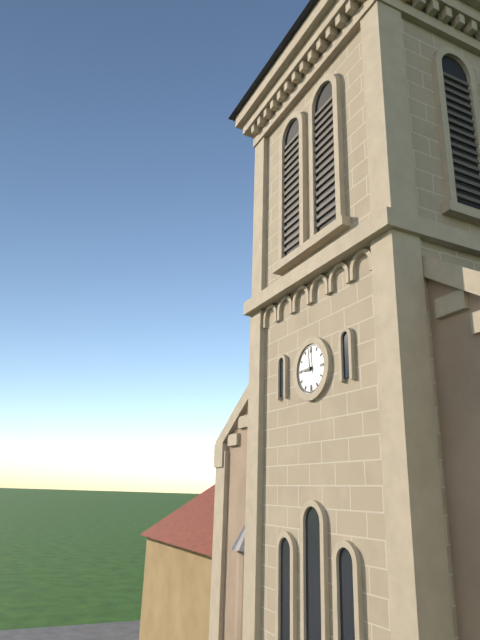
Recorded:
8.59
